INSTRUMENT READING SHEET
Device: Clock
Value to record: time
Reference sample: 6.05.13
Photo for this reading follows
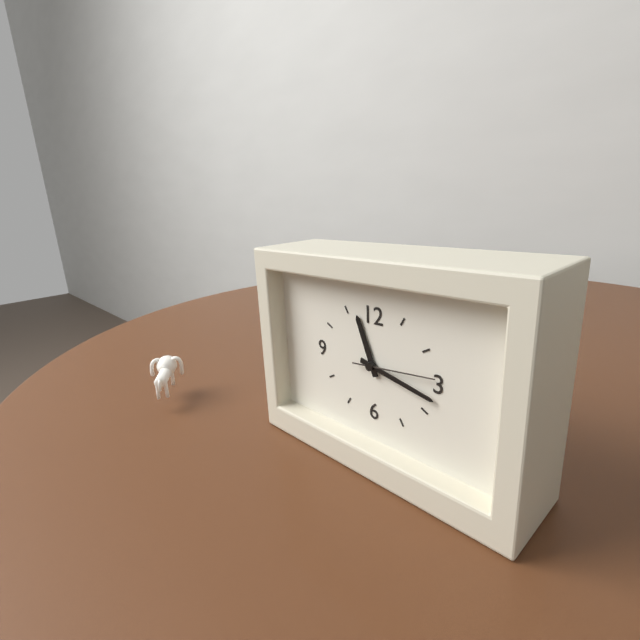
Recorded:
11.17.14
